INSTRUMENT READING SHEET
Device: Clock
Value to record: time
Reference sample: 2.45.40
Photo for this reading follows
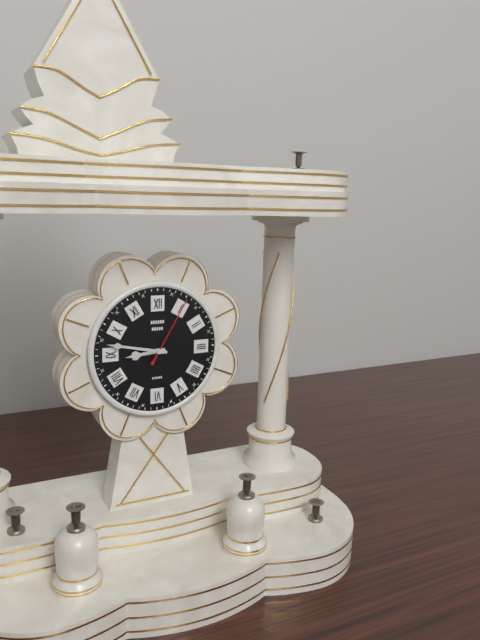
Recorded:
8.47.05
